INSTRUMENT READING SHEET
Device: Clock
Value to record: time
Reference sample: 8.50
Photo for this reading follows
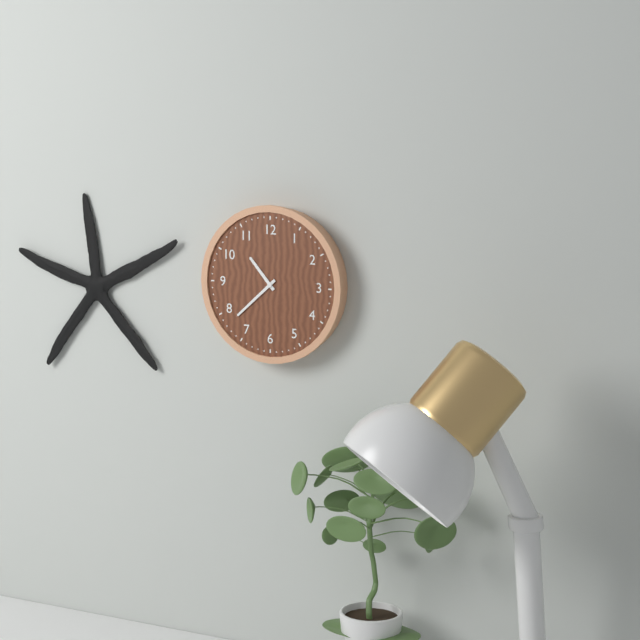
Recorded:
10.38
